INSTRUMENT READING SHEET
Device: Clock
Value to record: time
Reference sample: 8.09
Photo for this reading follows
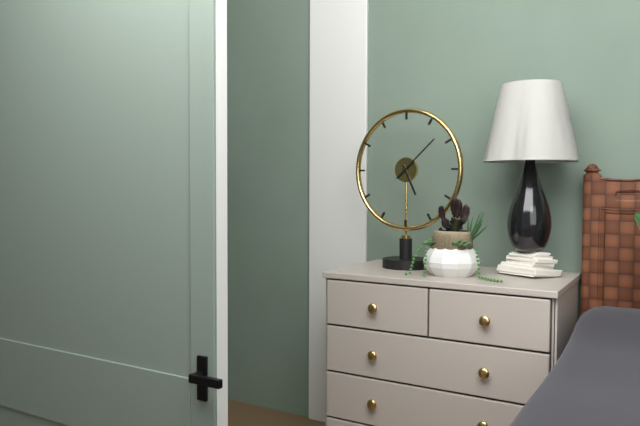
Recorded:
5.08
